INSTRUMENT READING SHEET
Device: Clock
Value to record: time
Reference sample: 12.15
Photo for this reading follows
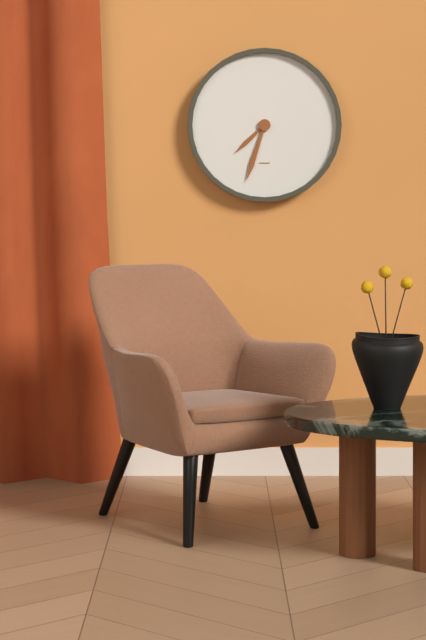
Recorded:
7.33
